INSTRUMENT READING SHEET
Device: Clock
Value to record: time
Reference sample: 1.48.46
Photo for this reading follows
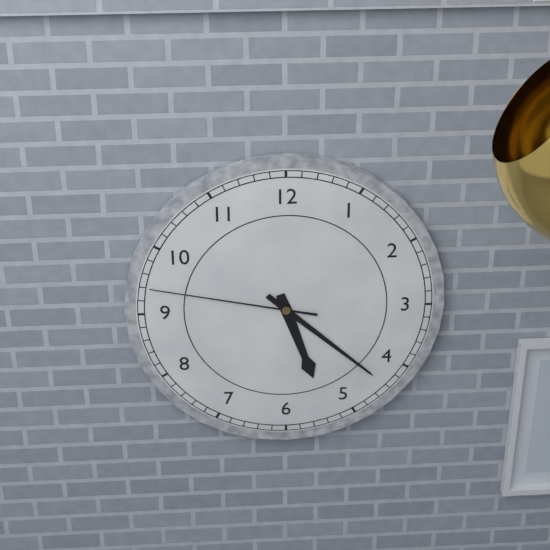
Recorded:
5.22.47
